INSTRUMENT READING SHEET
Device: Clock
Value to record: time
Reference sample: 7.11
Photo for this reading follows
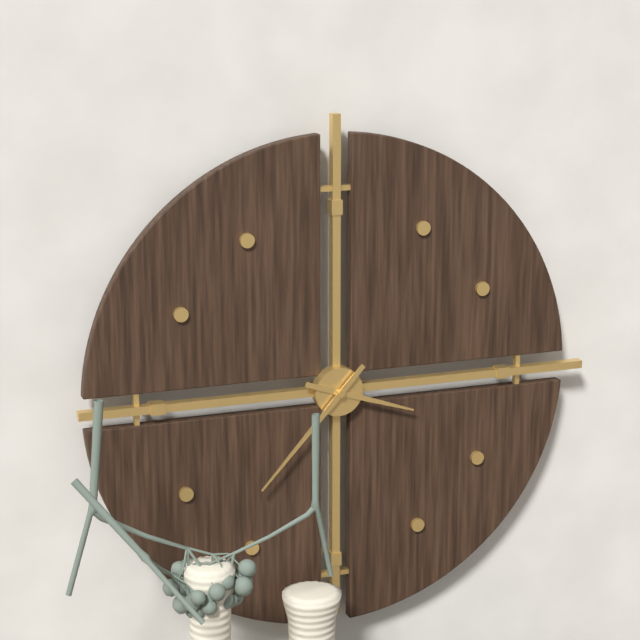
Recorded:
3.37
